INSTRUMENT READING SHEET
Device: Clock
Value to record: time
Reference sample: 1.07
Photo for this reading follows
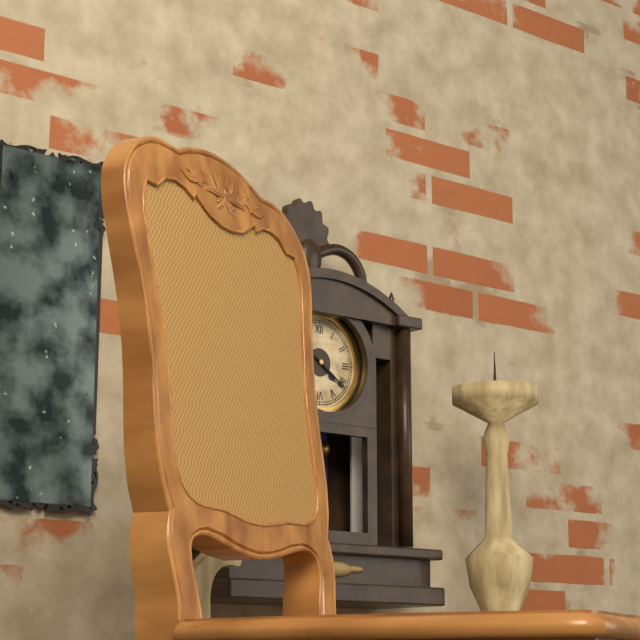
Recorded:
4.21
